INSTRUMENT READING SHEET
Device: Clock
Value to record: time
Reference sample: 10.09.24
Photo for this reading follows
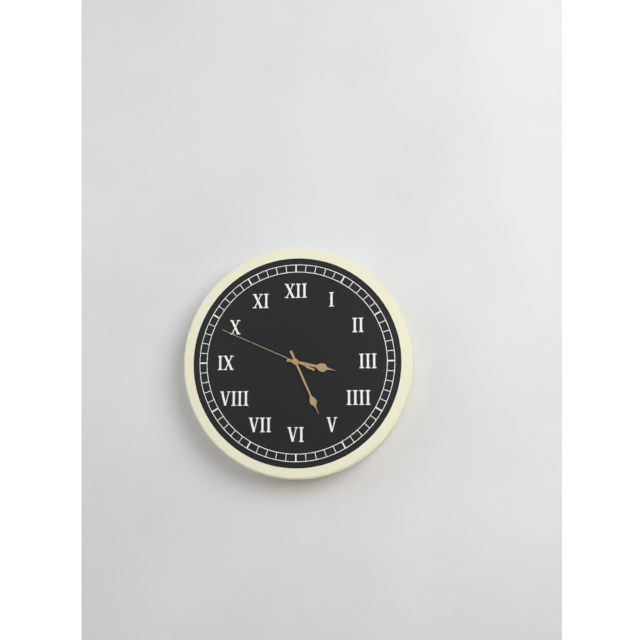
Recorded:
3.26.49
